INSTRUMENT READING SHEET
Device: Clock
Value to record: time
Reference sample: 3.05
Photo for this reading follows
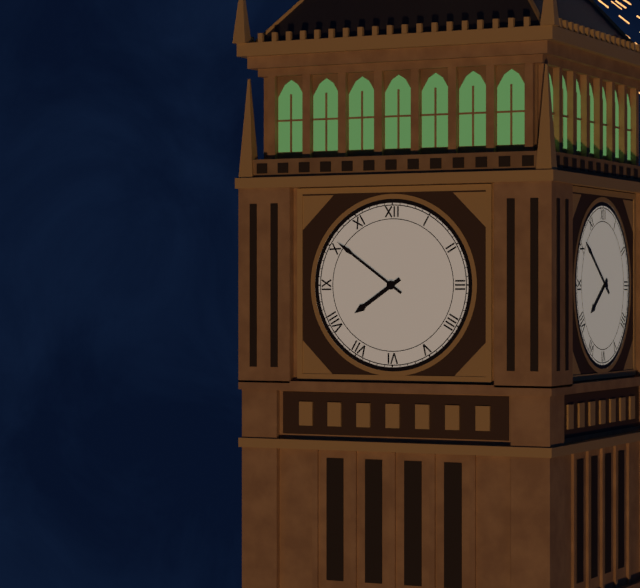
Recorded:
7.51
